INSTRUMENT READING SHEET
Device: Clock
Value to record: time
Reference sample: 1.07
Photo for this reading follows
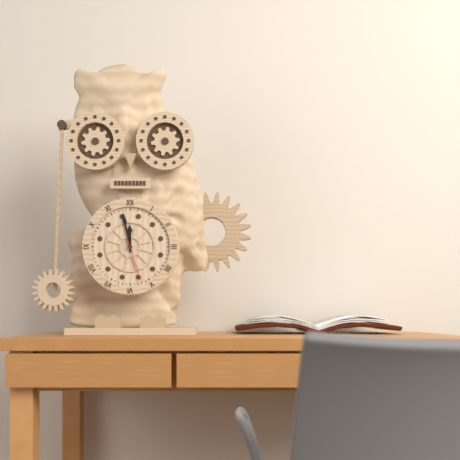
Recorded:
11.58
